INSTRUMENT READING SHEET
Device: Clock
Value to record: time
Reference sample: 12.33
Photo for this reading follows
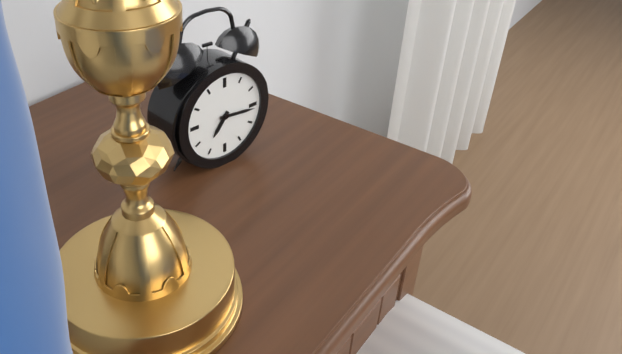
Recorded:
7.16
